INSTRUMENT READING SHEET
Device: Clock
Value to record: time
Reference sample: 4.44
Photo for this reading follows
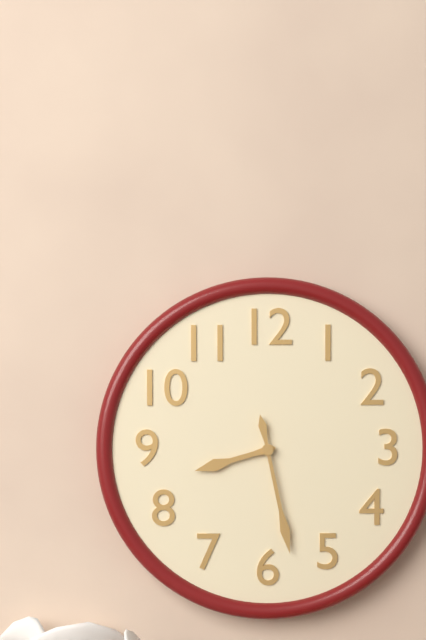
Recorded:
8.28
